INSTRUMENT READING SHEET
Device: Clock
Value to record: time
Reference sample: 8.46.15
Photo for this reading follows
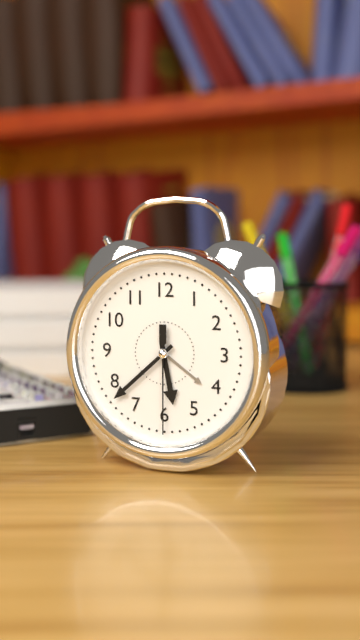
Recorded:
5.38.30
